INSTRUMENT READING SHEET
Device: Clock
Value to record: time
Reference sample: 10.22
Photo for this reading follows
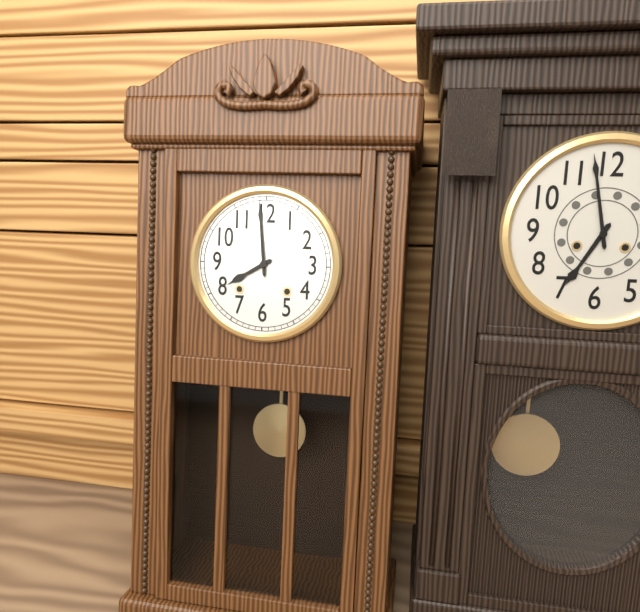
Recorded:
7.59
